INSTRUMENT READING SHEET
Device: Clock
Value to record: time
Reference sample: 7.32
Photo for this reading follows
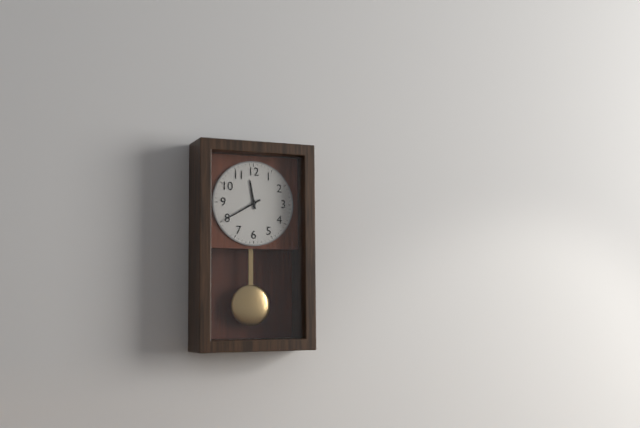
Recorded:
11.40
